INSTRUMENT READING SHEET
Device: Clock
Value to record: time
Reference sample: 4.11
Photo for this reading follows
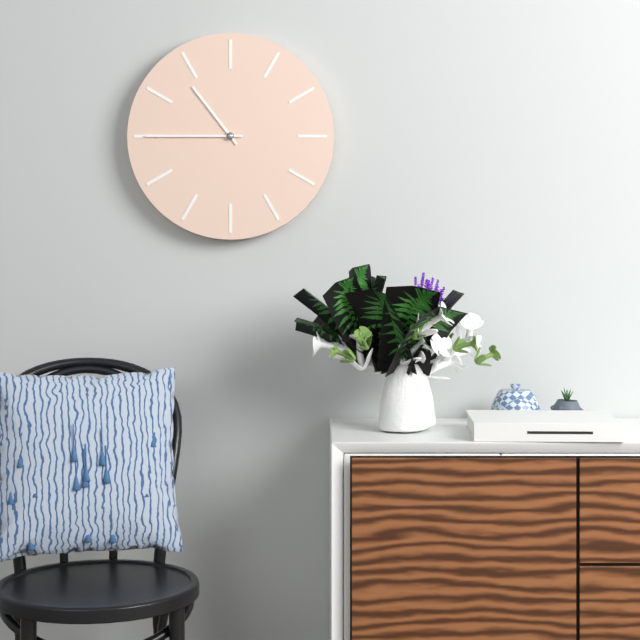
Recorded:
10.45
